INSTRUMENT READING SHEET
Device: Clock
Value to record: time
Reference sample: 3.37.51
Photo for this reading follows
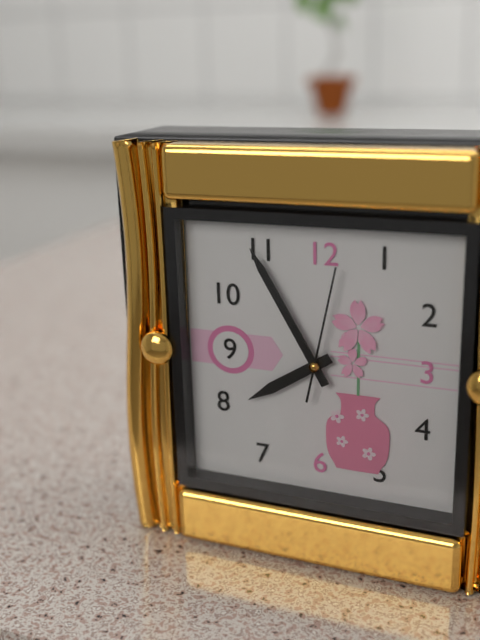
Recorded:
7.55.02
